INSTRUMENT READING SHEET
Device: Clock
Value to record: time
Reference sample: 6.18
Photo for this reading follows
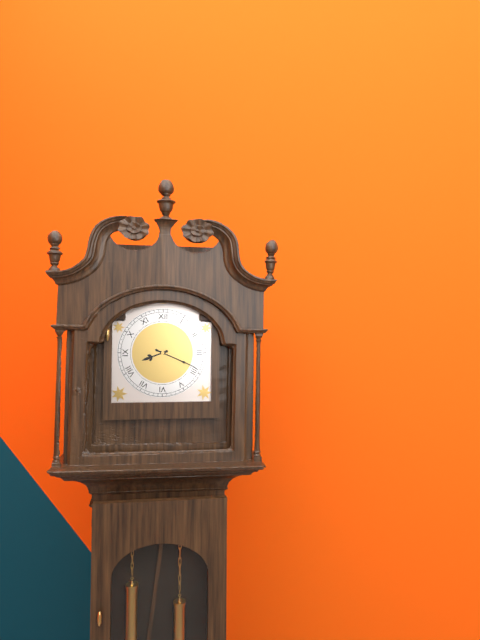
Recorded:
8.19
